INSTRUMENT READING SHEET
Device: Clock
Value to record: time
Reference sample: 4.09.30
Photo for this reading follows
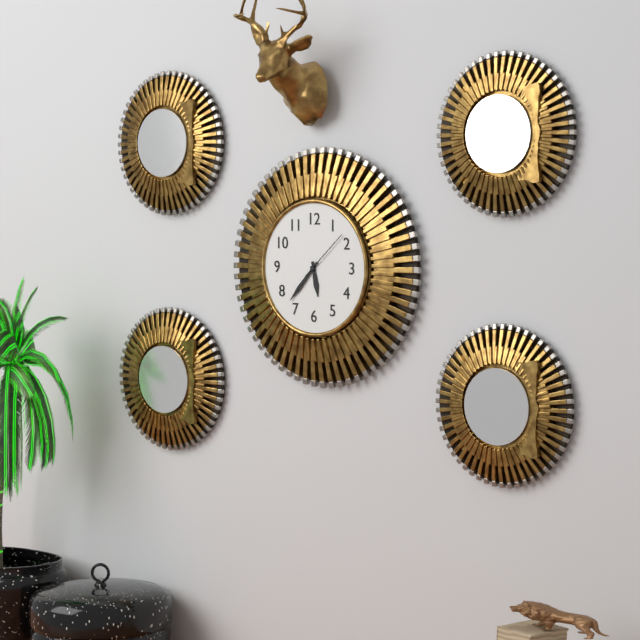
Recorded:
5.37.08
